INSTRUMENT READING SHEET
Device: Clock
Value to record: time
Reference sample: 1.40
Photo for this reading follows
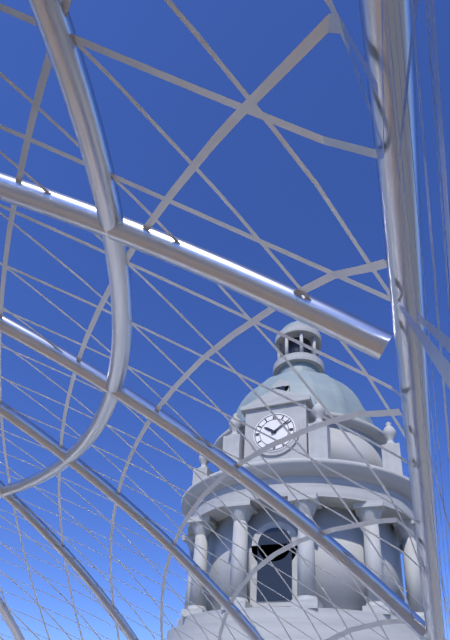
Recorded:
10.09
